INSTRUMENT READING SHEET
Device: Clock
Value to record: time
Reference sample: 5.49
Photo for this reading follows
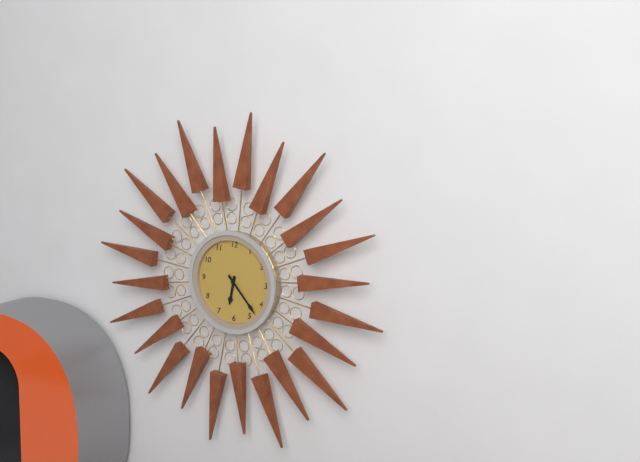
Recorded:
6.23
